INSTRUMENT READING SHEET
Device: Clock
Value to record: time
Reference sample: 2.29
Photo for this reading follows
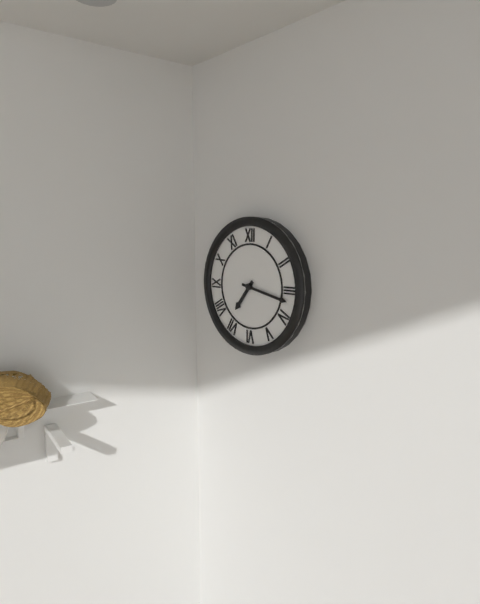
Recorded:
7.17
